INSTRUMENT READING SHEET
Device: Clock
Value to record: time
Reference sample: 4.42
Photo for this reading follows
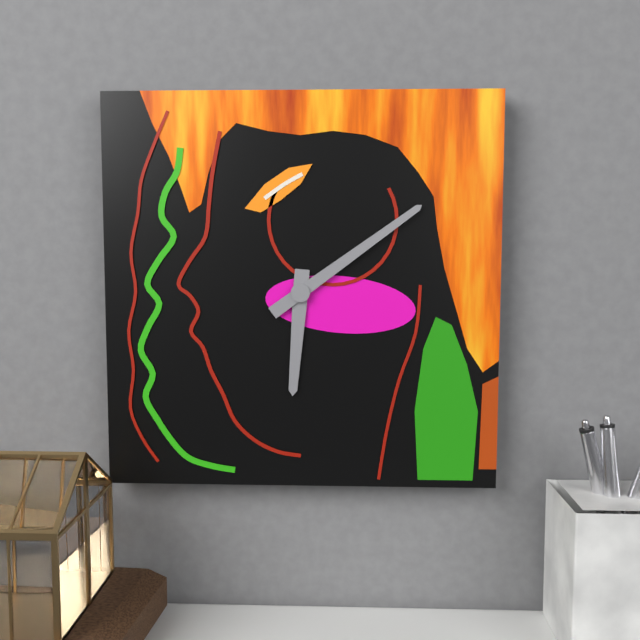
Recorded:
6.09
